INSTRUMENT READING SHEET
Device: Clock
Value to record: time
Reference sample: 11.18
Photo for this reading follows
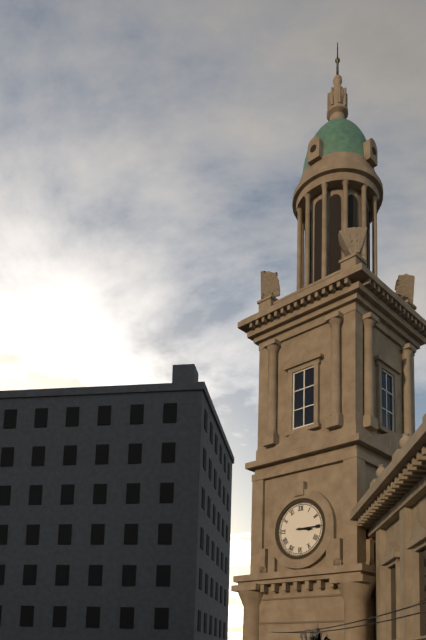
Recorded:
3.15
